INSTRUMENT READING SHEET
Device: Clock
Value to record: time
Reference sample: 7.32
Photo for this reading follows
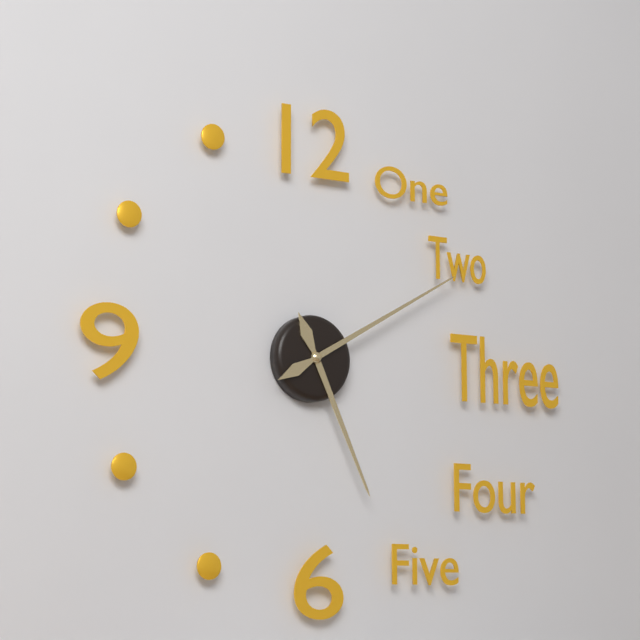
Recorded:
5.10
